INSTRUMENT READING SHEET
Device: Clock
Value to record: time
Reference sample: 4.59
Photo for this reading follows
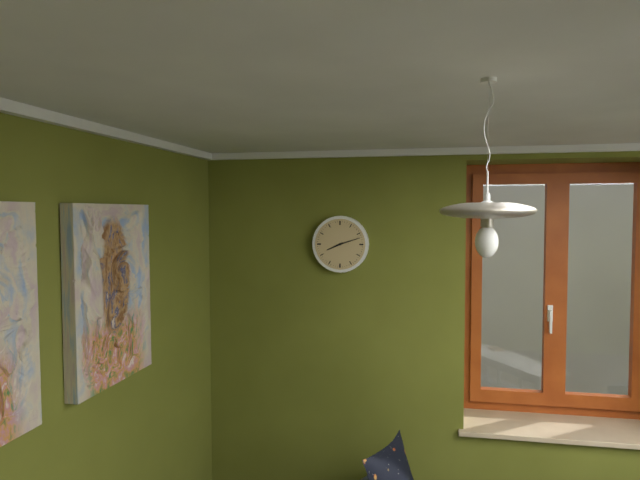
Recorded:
8.12
